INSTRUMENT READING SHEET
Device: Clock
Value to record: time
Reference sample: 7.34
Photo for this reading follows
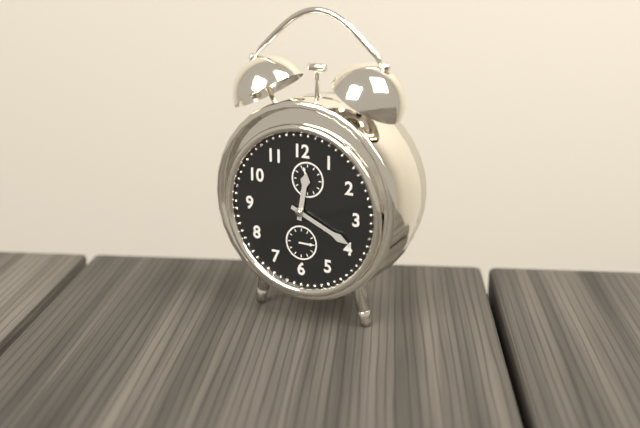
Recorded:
12.19
